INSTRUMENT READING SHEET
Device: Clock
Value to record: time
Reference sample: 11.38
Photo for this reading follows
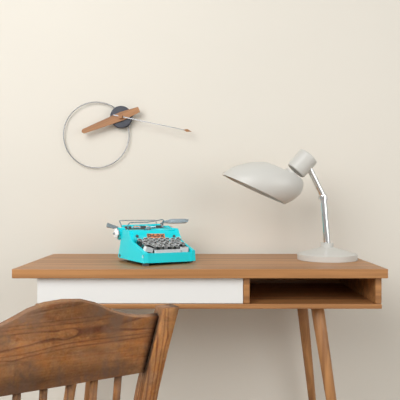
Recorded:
8.17
